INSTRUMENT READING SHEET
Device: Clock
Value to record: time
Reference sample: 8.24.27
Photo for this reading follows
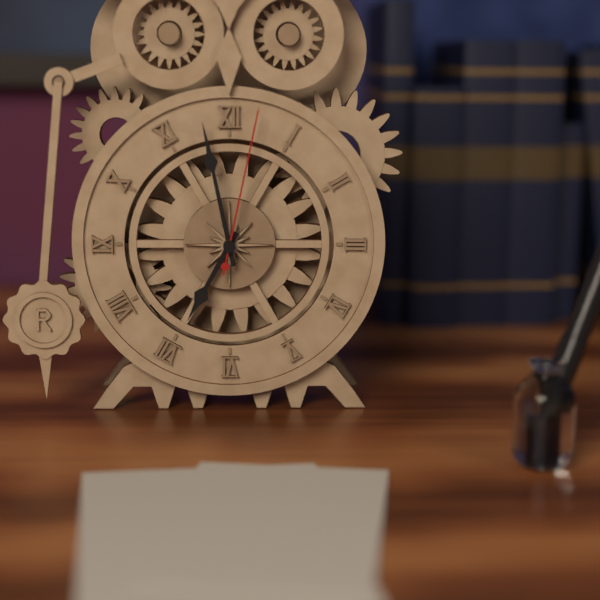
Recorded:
6.58.02
